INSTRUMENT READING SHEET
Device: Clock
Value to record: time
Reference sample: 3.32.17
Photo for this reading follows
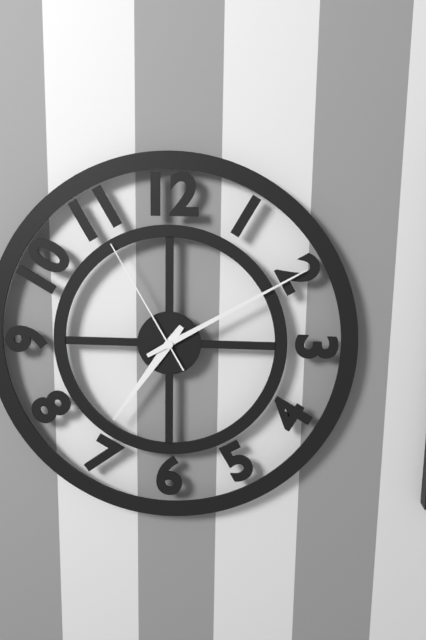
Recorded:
7.10.55
